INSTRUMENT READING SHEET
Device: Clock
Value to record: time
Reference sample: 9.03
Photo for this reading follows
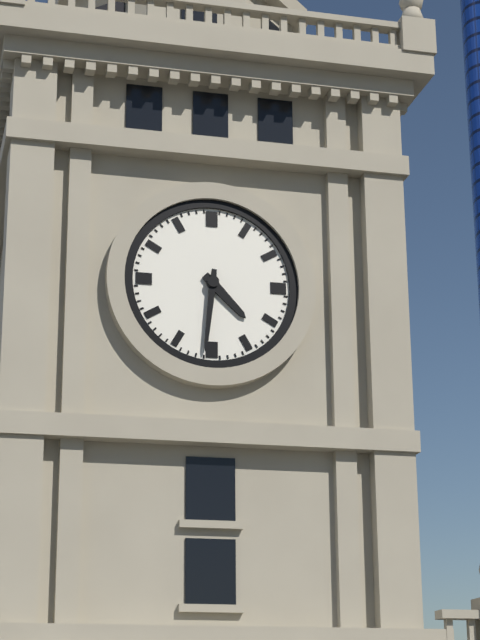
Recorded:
4.31
